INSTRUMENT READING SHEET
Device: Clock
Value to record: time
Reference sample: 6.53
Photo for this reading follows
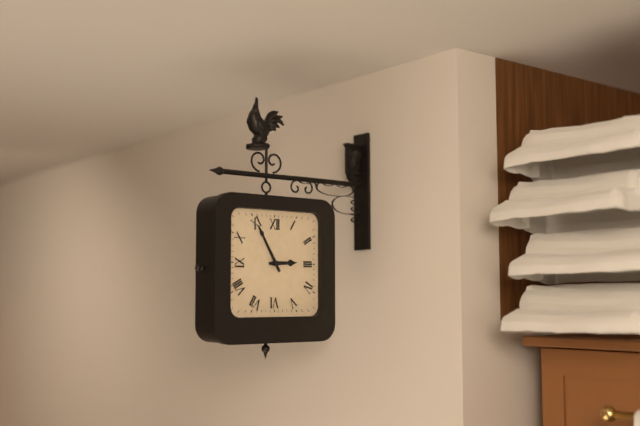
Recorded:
2.55
